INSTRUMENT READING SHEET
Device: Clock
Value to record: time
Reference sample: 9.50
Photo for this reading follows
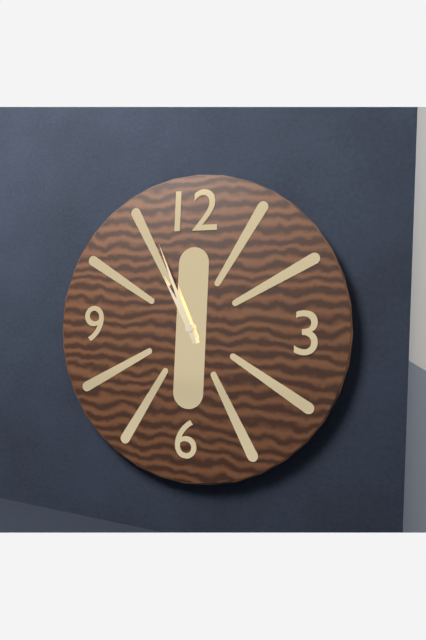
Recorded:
10.56
